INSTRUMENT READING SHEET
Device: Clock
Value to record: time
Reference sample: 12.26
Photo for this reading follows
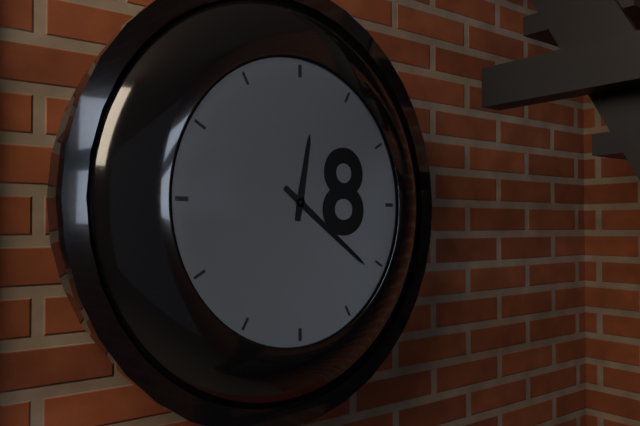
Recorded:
12.21
